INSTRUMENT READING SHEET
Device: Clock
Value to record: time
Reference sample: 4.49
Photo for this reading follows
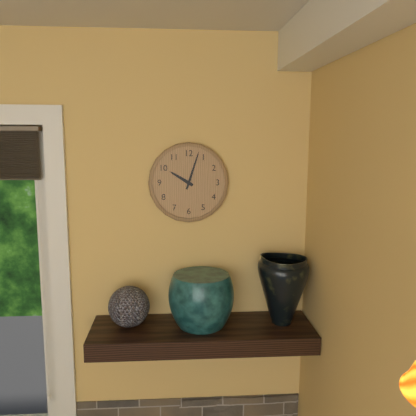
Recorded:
10.03
